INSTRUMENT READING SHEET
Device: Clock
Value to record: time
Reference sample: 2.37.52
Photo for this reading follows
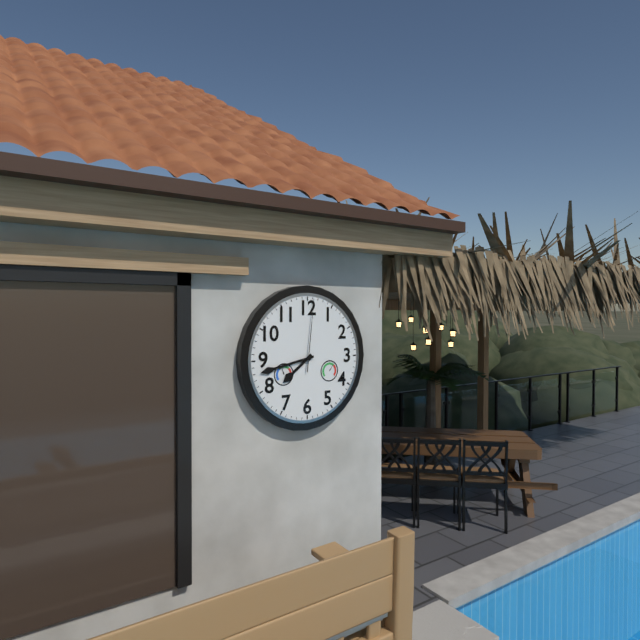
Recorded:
7.43.01
